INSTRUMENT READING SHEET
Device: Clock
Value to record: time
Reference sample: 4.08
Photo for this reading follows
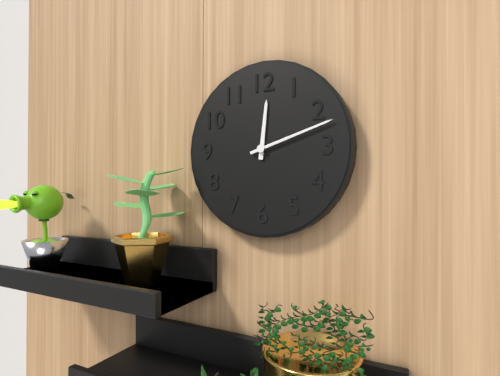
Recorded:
12.12
